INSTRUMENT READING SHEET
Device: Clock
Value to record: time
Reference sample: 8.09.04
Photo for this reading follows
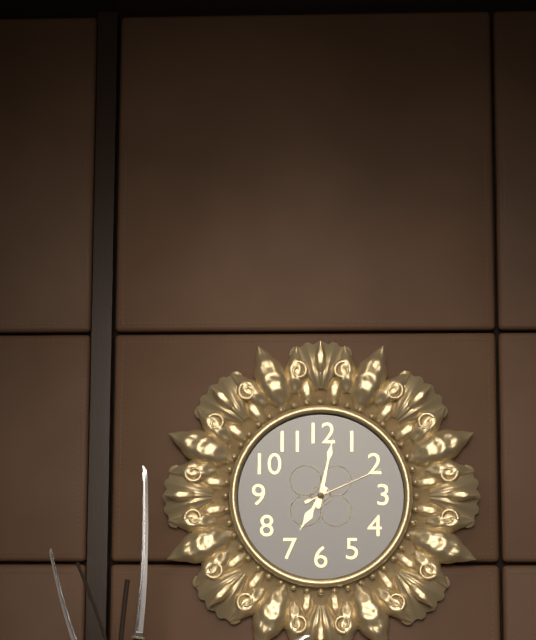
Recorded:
7.02.11
